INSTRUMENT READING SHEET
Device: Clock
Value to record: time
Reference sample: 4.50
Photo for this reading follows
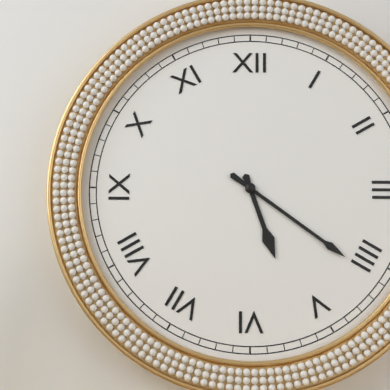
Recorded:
5.21
